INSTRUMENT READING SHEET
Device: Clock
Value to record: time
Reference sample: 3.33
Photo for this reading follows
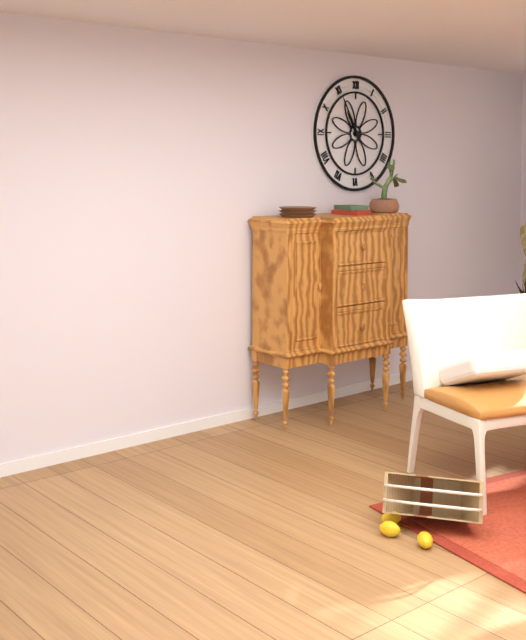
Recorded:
10.55
